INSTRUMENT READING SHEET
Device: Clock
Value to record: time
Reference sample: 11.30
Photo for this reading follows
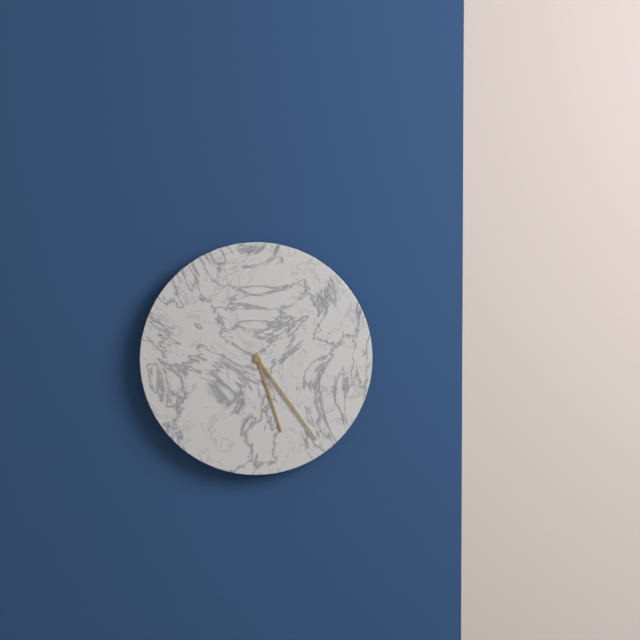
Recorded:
5.24
